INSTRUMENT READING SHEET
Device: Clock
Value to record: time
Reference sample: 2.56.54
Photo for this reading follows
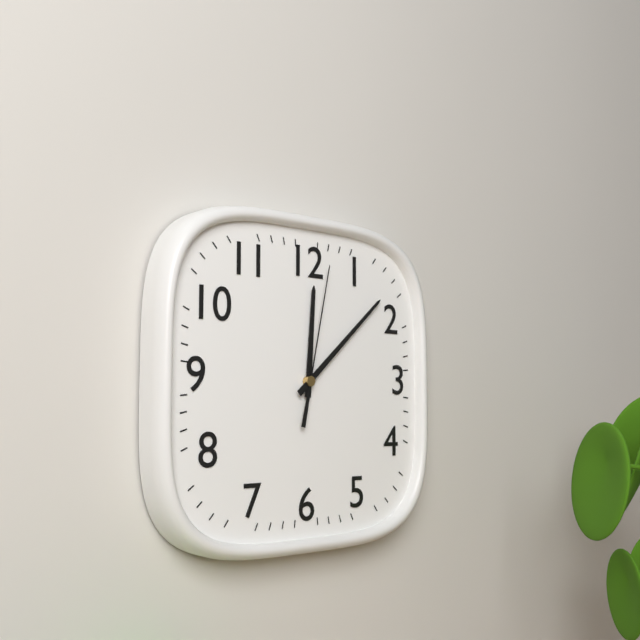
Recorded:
12.08.02
